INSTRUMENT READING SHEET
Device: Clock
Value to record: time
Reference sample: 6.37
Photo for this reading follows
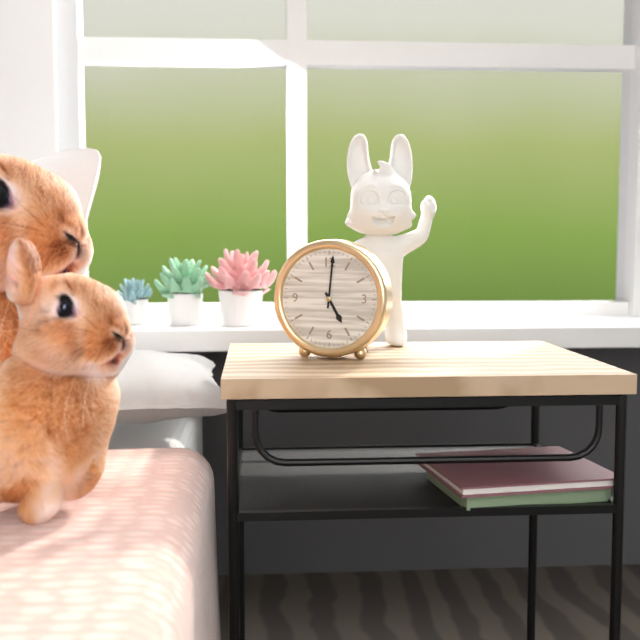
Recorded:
5.01
